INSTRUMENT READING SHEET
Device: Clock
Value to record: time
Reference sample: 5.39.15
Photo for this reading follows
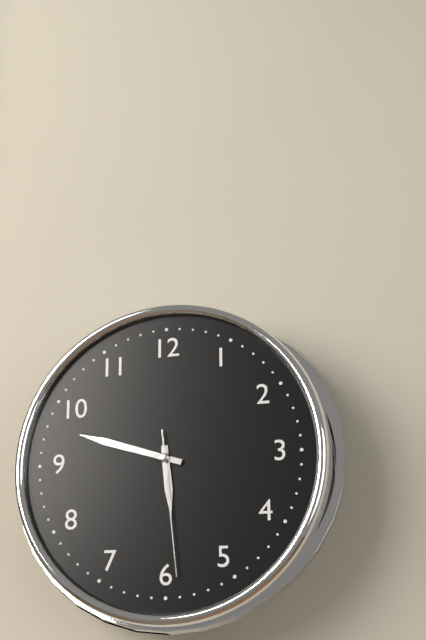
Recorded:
5.48.29
